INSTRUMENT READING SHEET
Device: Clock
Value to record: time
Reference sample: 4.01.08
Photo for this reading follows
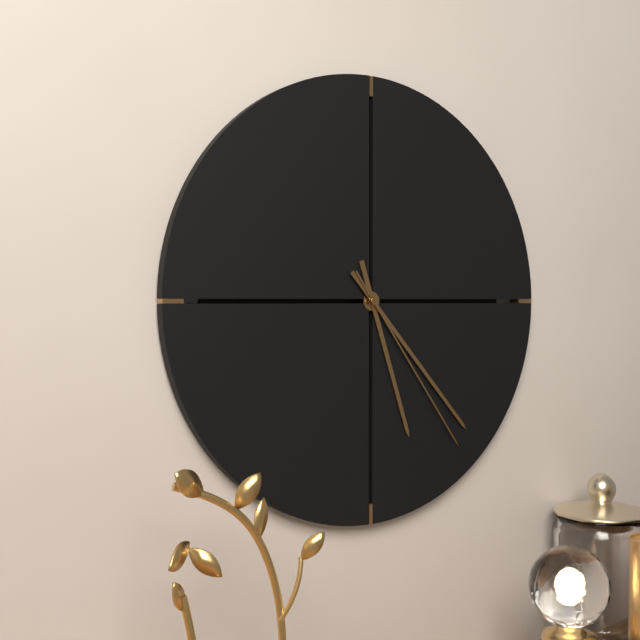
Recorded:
5.23.24
